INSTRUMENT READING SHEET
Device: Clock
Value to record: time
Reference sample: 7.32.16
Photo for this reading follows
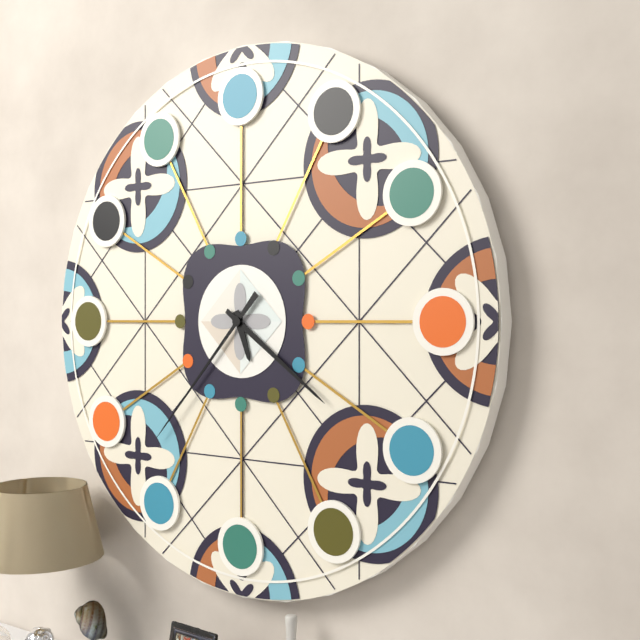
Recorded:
5.21.37
